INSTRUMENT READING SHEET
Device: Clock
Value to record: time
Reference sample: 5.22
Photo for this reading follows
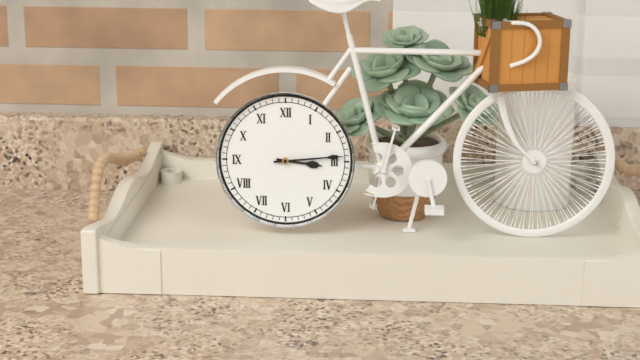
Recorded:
3.14
